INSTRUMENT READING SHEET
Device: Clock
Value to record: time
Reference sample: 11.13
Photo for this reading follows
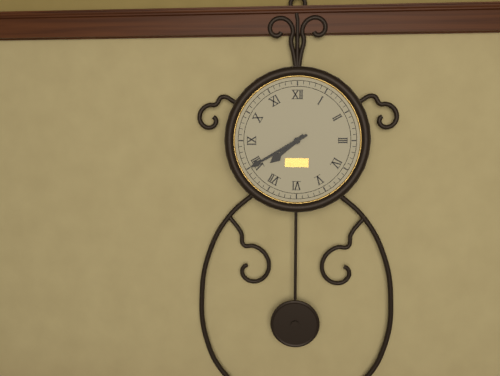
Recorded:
7.40
